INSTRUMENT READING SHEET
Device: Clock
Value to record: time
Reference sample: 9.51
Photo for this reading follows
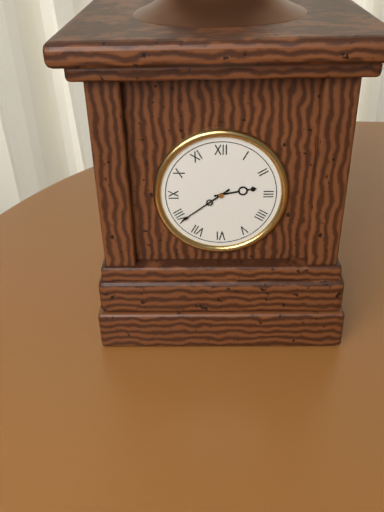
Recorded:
2.39
